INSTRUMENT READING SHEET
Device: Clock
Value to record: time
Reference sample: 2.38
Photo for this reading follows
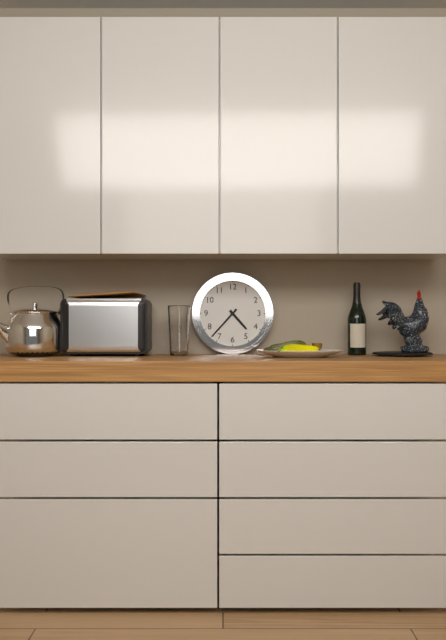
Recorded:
4.37
